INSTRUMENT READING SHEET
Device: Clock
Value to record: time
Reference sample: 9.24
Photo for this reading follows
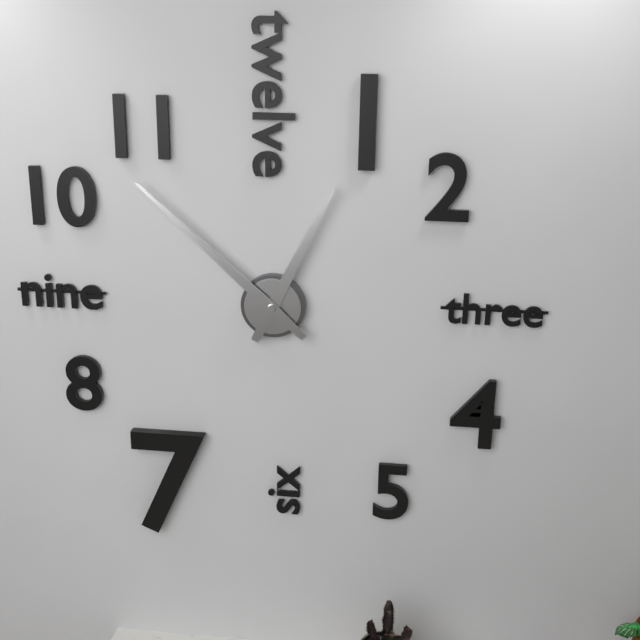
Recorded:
12.52
